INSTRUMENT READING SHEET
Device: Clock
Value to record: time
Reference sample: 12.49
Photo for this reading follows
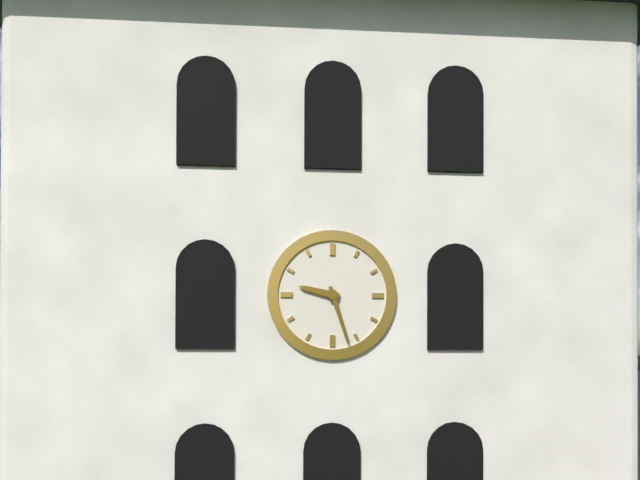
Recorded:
9.27
